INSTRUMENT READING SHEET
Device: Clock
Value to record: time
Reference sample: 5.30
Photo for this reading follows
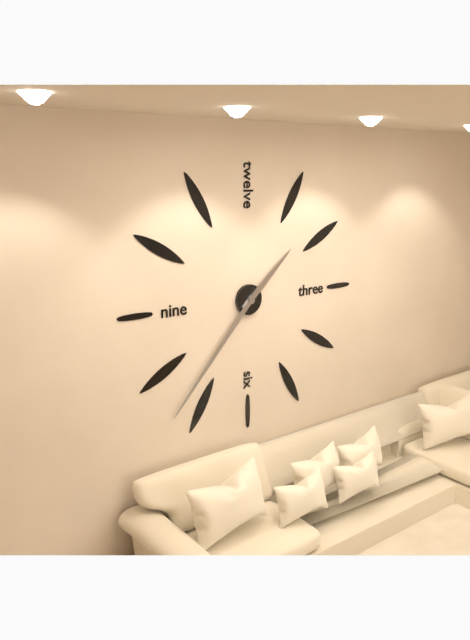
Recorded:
1.37
